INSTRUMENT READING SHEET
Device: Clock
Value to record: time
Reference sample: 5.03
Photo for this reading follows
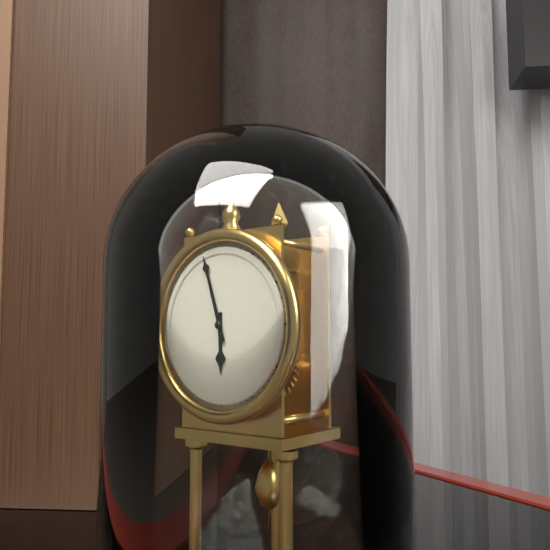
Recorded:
5.57
